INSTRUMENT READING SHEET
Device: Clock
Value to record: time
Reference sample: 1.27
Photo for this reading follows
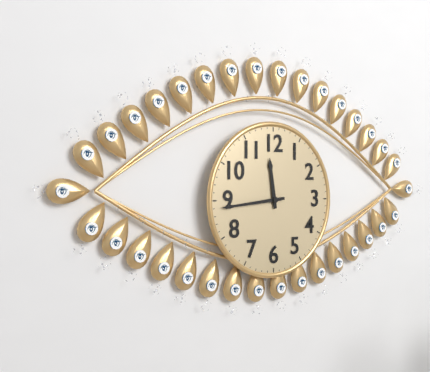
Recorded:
11.44
